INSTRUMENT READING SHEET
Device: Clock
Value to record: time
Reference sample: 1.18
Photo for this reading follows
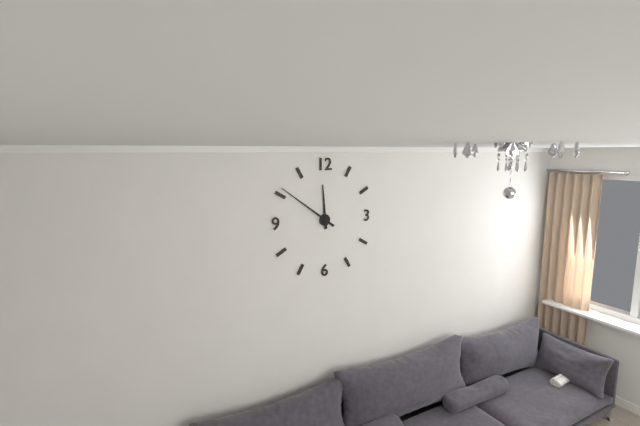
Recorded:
11.51
